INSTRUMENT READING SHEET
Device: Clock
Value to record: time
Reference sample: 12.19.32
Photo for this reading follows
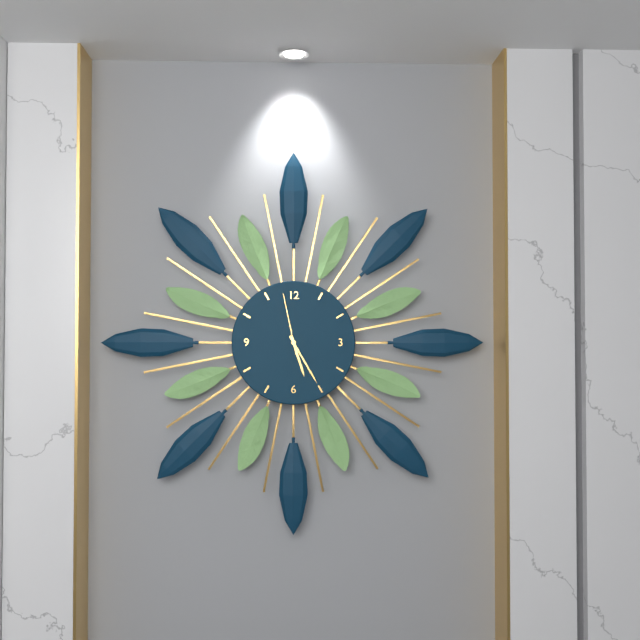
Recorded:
5.25.58
